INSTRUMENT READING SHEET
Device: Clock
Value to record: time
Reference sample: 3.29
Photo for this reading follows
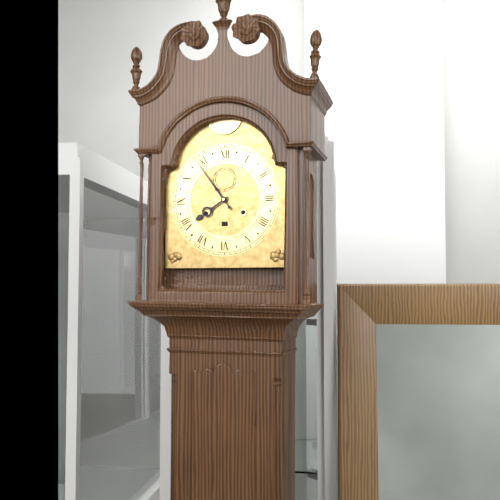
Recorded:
7.54
